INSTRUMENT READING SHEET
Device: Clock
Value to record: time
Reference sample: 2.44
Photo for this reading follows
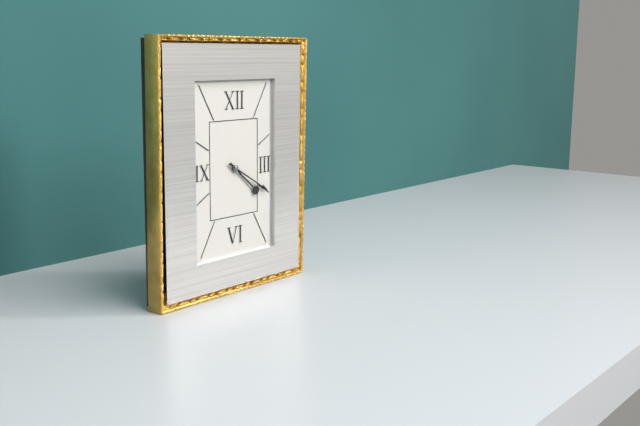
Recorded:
4.20
